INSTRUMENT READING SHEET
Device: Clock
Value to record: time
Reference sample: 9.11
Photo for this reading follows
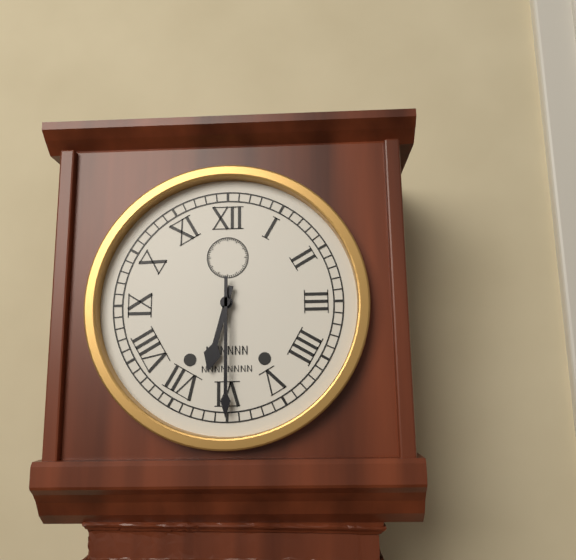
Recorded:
6.30
